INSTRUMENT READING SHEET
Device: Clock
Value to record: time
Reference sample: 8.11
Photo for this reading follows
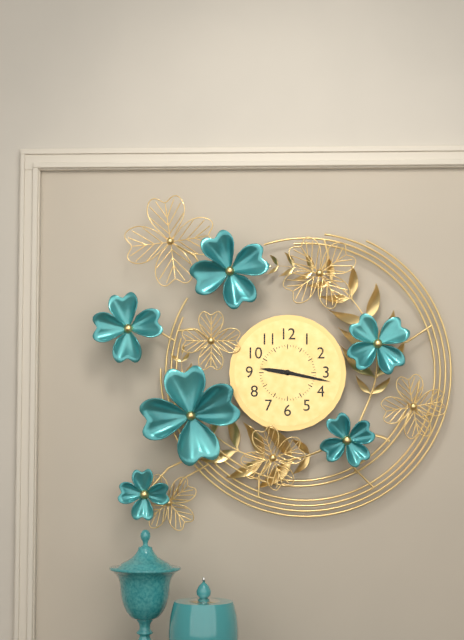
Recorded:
9.17
